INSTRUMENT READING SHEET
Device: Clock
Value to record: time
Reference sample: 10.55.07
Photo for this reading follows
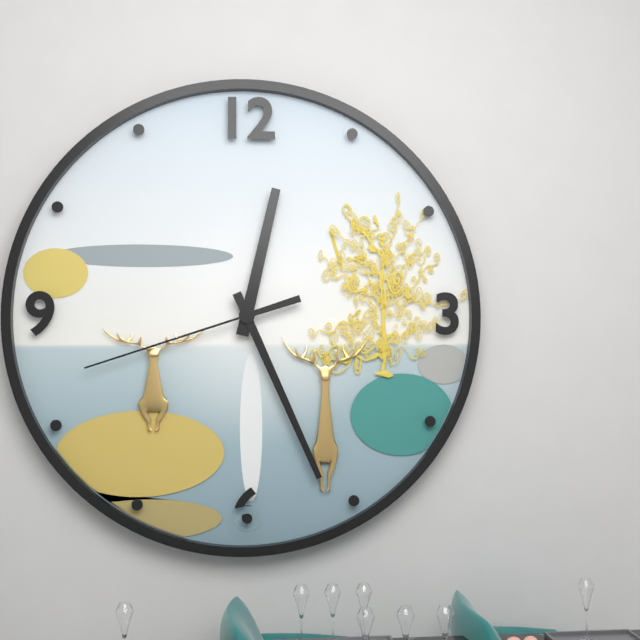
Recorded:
12.26.42
